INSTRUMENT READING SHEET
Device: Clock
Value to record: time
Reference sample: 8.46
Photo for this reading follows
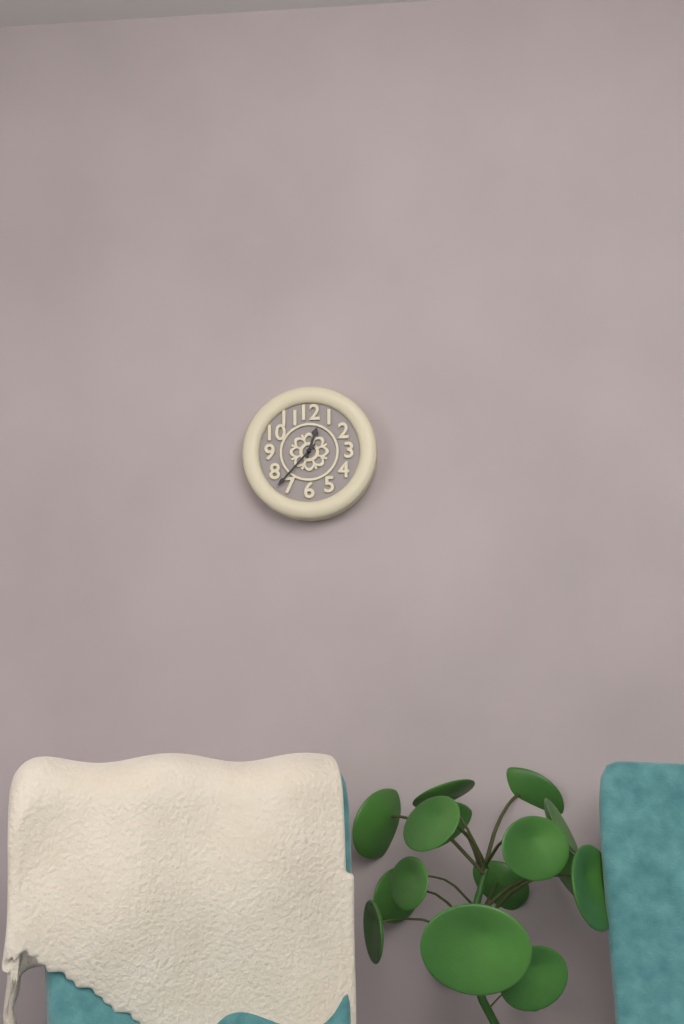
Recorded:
12.37
